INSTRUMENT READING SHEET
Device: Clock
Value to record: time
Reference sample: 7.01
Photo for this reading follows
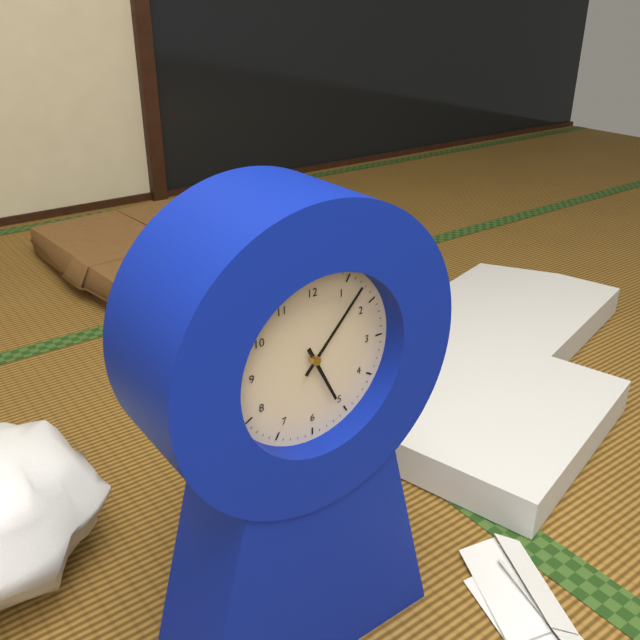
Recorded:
5.07
